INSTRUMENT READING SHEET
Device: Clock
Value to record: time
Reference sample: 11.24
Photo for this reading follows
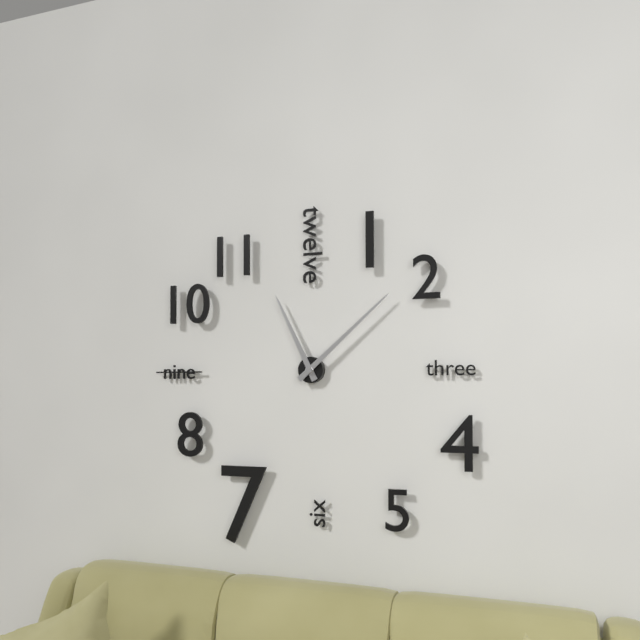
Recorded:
11.08
